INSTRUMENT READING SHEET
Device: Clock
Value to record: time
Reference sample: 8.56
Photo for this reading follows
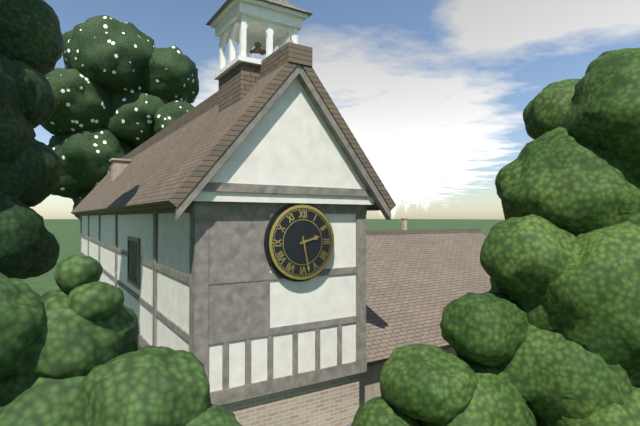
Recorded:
2.28
